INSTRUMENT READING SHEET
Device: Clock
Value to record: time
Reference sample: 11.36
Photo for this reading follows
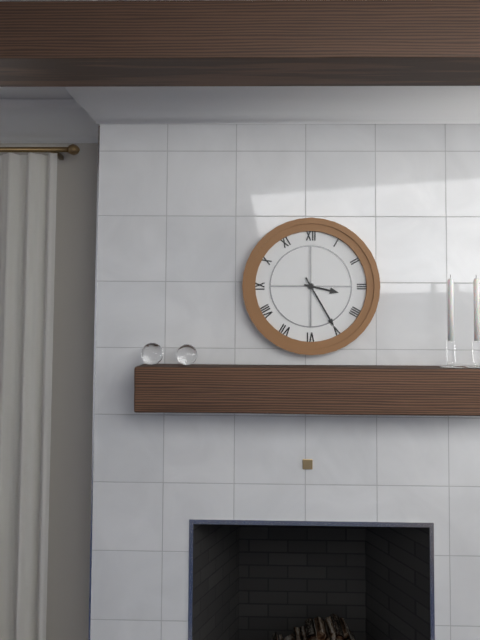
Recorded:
3.25
